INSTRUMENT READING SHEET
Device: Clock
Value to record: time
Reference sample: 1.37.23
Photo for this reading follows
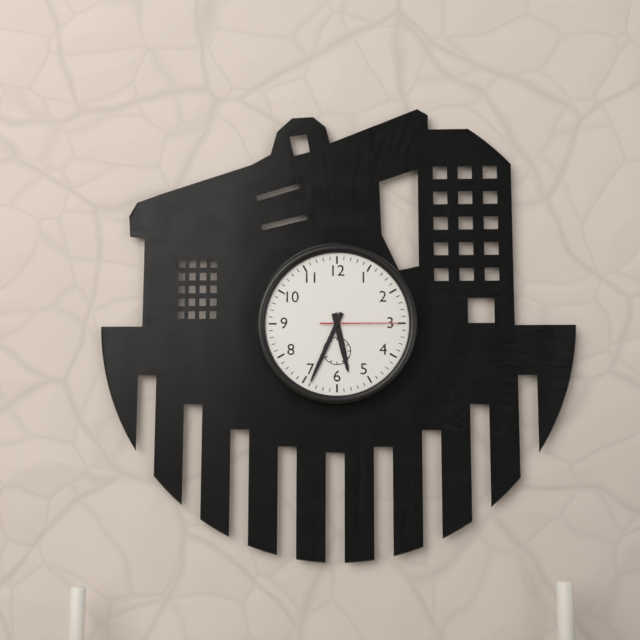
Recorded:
5.34.15
